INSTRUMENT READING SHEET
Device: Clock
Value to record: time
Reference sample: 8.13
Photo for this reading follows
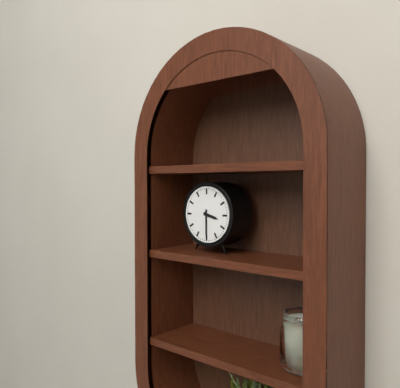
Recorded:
3.30
